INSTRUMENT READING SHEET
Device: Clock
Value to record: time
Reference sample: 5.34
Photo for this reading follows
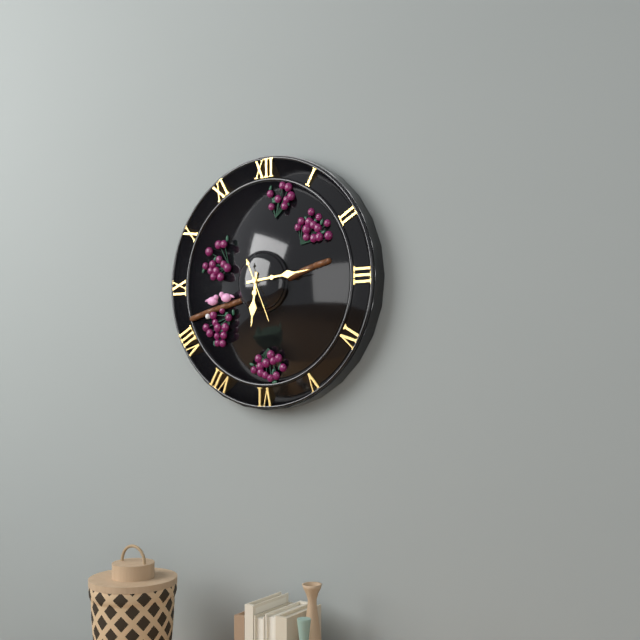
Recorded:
6.14
